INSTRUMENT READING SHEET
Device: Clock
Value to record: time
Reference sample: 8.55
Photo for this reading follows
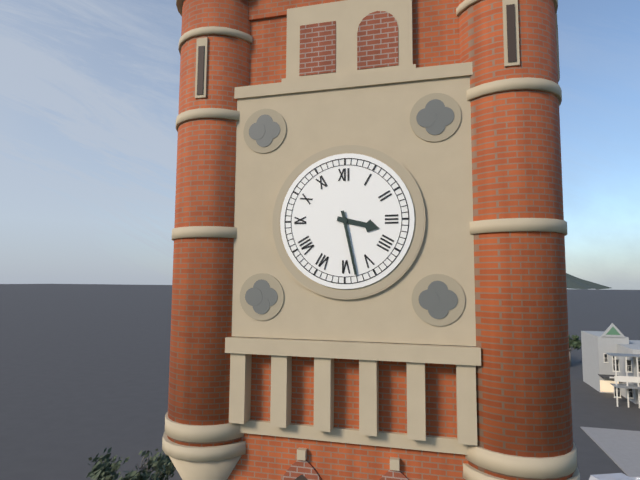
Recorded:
3.28
